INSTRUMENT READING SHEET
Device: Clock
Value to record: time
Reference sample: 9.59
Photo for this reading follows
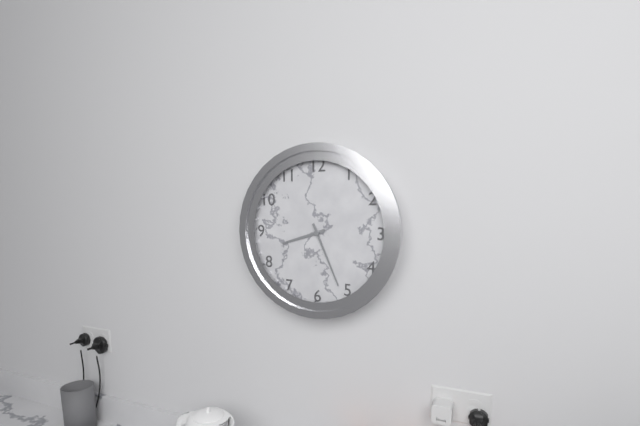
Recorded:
8.26
